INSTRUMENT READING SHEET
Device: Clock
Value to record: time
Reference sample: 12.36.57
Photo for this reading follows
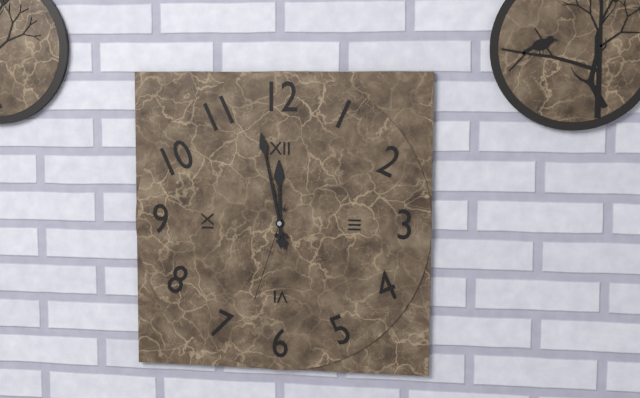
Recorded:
11.58.33
